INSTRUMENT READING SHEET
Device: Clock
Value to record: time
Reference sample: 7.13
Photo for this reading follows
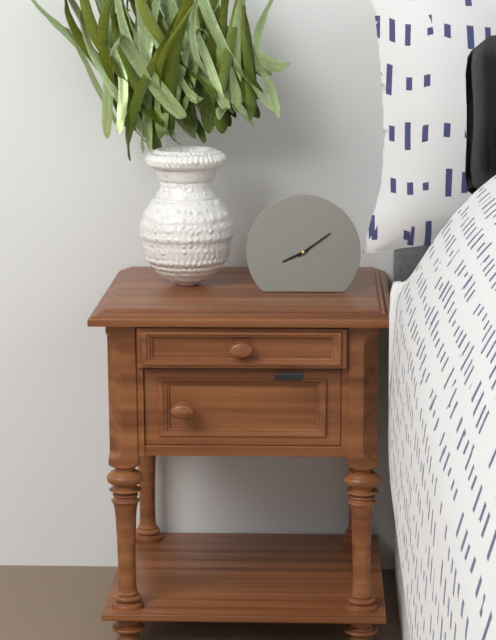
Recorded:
8.09
